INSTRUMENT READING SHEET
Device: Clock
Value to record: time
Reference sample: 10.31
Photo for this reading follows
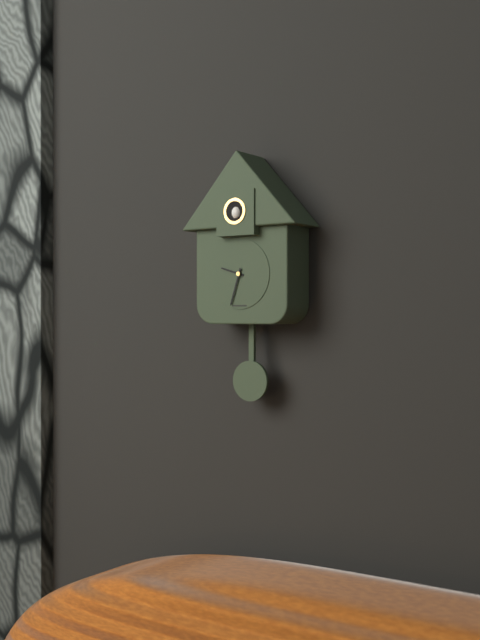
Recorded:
9.33
